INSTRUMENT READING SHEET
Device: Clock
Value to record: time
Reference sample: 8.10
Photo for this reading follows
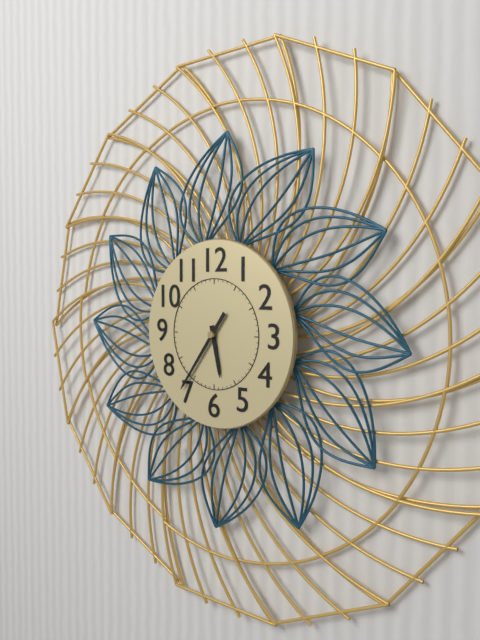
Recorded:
5.36
